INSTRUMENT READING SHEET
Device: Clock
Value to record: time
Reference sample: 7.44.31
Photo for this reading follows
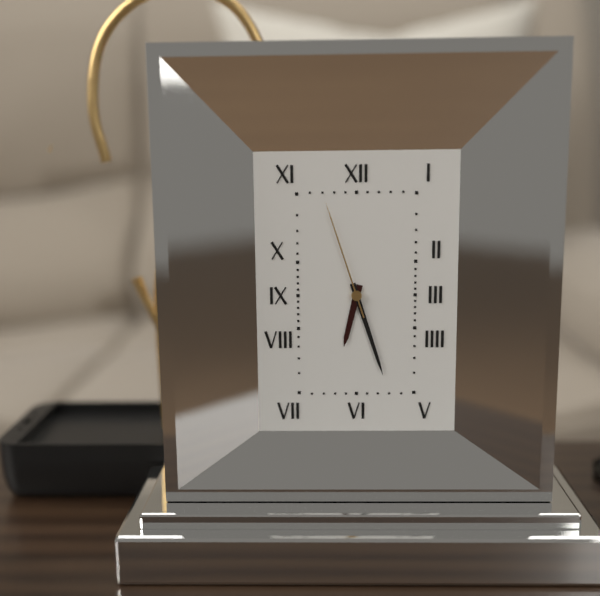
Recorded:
6.27.57
